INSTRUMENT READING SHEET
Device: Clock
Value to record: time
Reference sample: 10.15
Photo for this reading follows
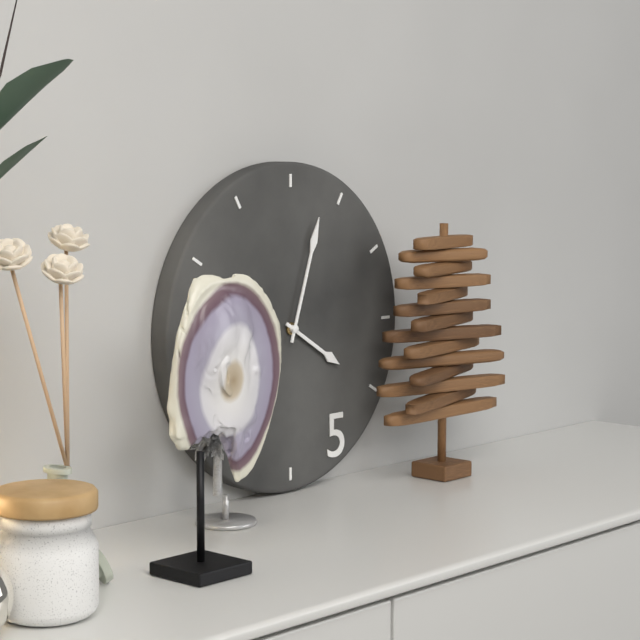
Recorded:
4.03
